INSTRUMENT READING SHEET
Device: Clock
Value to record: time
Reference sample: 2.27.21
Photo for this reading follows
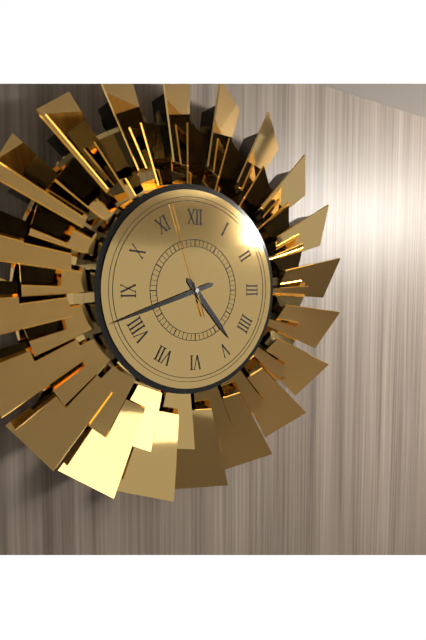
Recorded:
4.42.57
